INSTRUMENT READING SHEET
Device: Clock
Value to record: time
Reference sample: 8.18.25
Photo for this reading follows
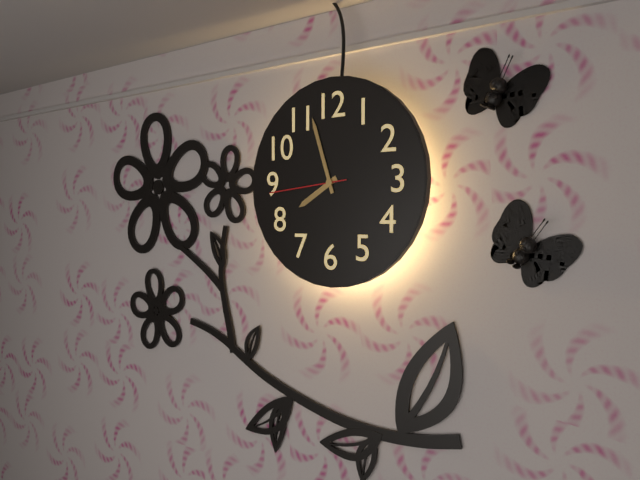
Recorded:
7.57.44
